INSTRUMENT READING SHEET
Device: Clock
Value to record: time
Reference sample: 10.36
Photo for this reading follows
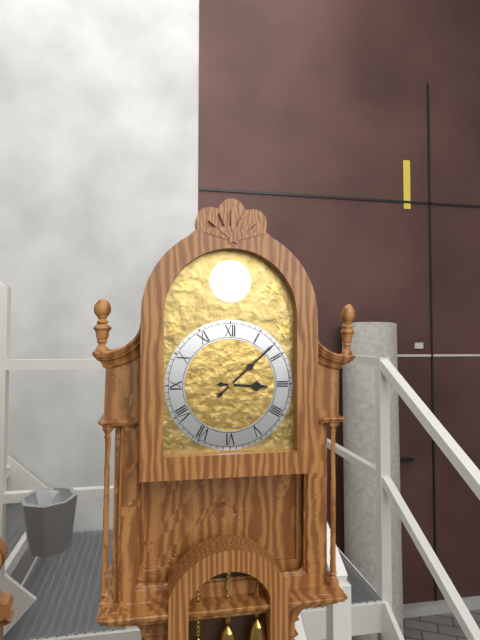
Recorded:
3.08
